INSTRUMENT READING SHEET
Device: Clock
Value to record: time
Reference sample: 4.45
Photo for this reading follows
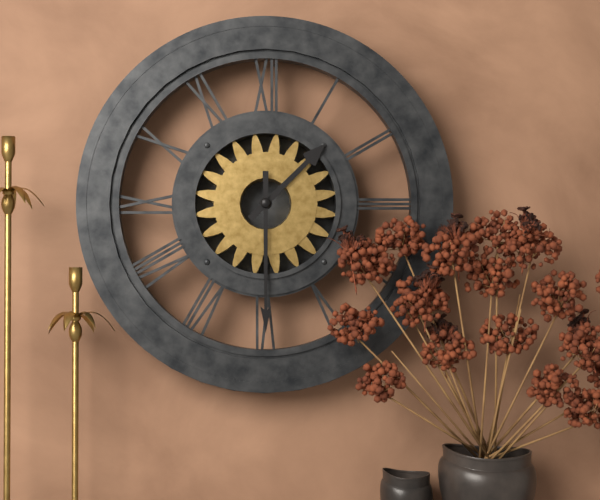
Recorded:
1.30
